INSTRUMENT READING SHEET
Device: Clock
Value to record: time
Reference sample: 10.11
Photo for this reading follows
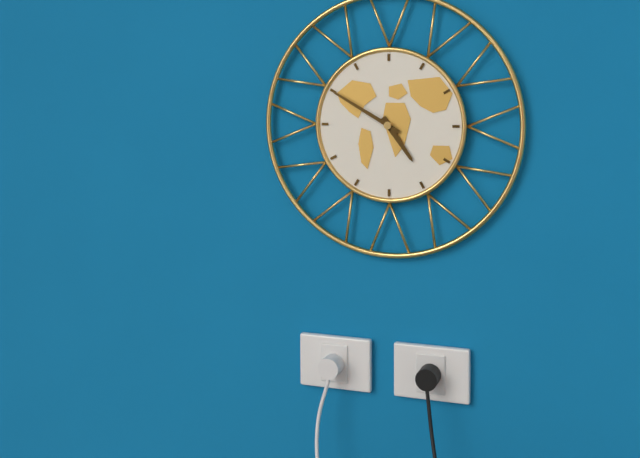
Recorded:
4.50
